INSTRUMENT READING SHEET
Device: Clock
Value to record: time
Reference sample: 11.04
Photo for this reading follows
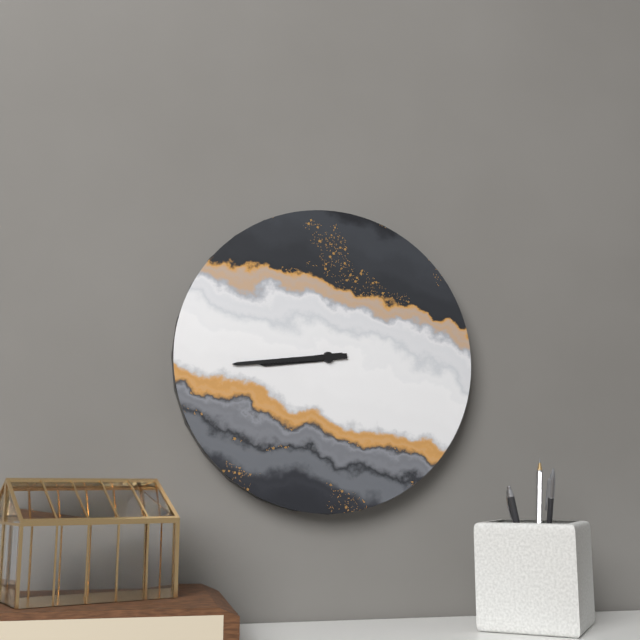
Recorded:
8.44
